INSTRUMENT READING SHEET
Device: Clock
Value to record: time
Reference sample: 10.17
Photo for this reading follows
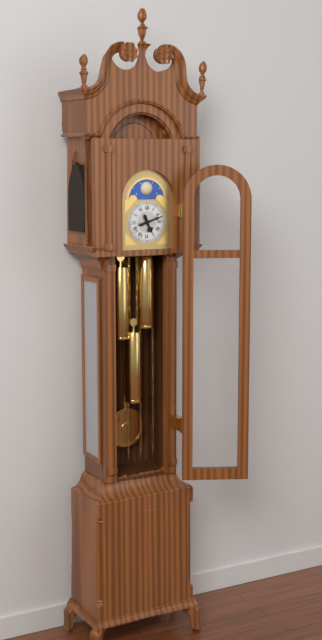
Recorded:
5.12
